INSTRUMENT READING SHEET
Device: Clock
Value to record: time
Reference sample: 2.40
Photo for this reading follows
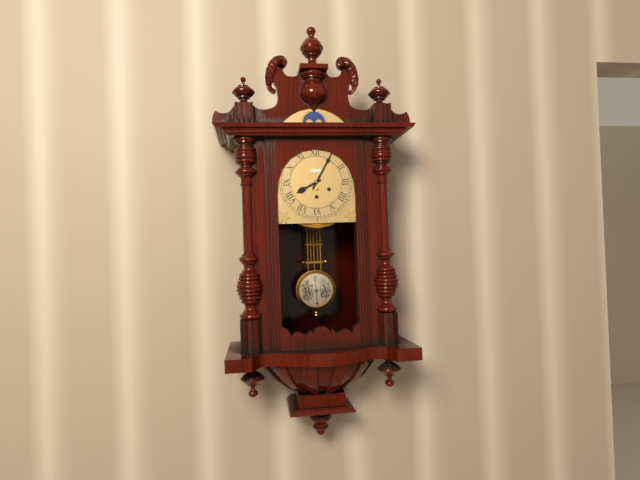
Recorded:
8.05
